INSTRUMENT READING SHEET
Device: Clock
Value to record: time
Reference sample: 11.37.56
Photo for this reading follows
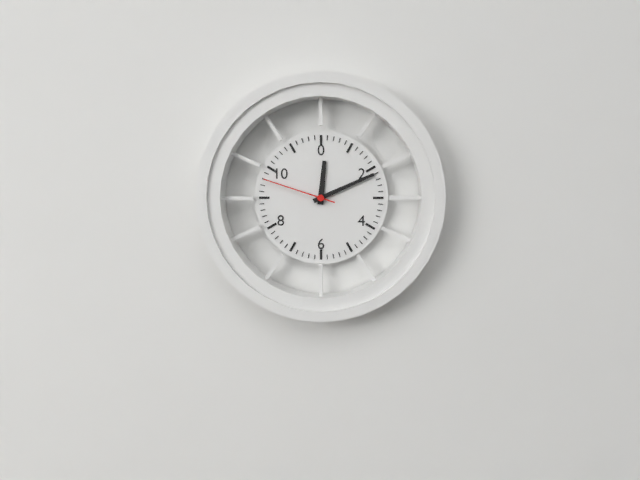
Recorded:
12.11.48
